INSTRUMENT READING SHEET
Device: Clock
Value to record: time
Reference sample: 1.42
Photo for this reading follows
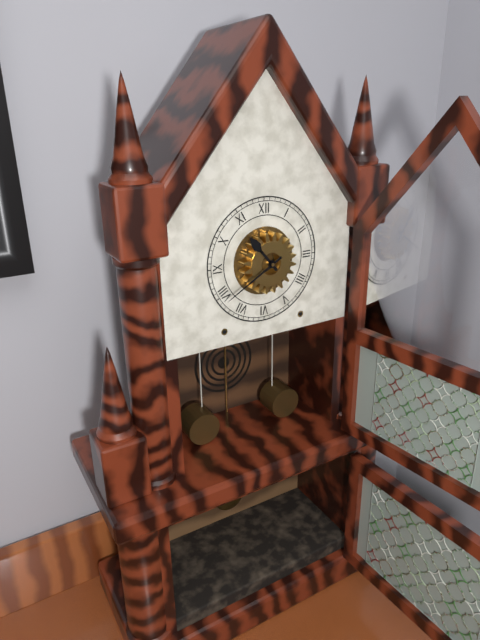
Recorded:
10.40
